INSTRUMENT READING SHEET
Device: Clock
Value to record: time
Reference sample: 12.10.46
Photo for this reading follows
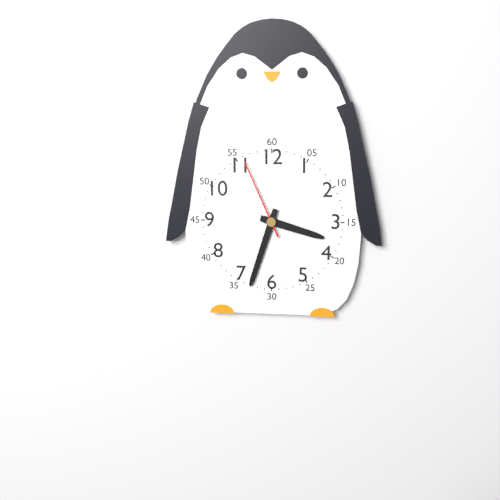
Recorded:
3.33.56
